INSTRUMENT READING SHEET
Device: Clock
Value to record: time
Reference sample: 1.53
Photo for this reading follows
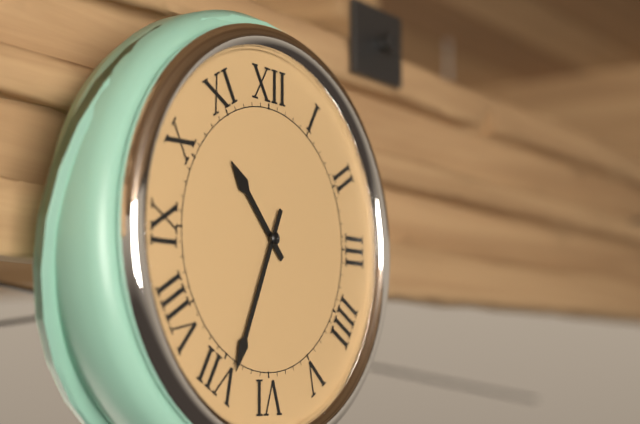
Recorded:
10.34
